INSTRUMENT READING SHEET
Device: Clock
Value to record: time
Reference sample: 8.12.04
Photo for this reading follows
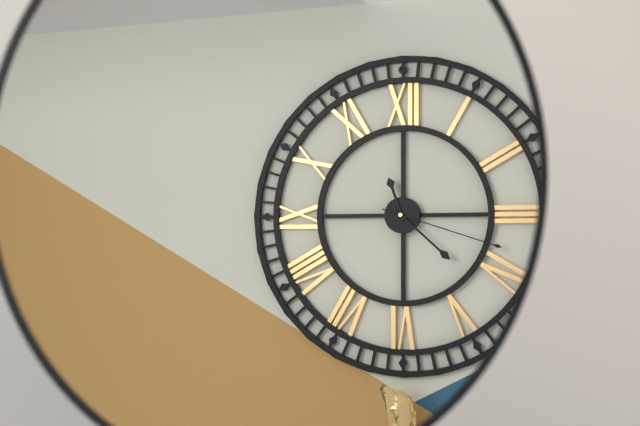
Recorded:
11.22.18
